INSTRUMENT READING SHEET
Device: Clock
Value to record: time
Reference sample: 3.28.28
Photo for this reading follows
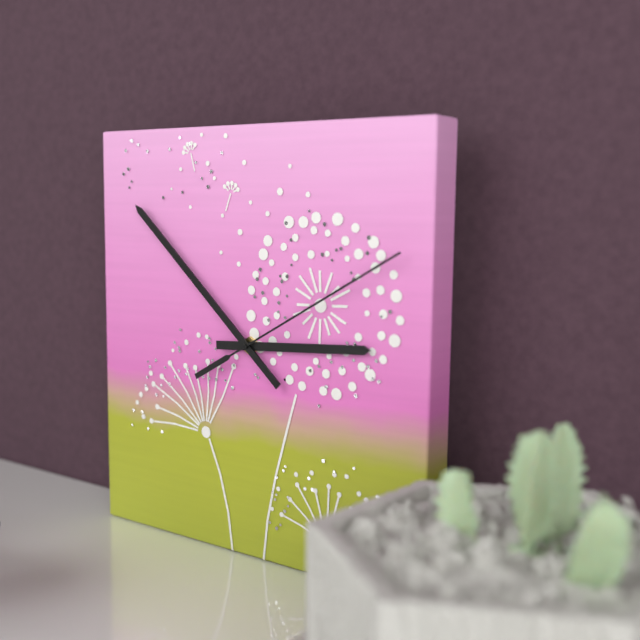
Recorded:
2.52.10
